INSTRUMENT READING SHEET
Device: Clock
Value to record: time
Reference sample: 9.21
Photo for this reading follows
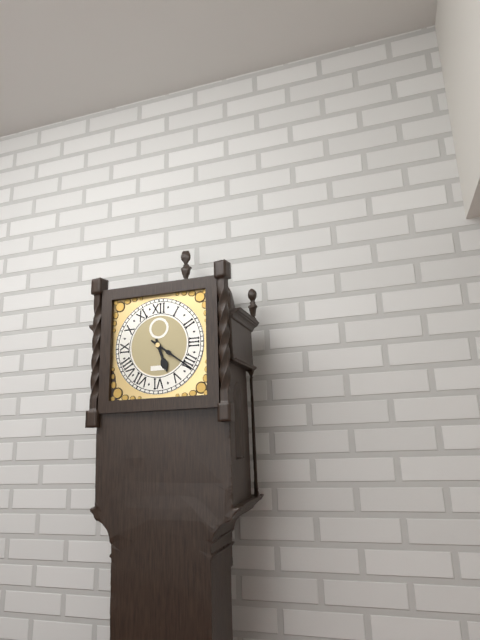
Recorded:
5.21
